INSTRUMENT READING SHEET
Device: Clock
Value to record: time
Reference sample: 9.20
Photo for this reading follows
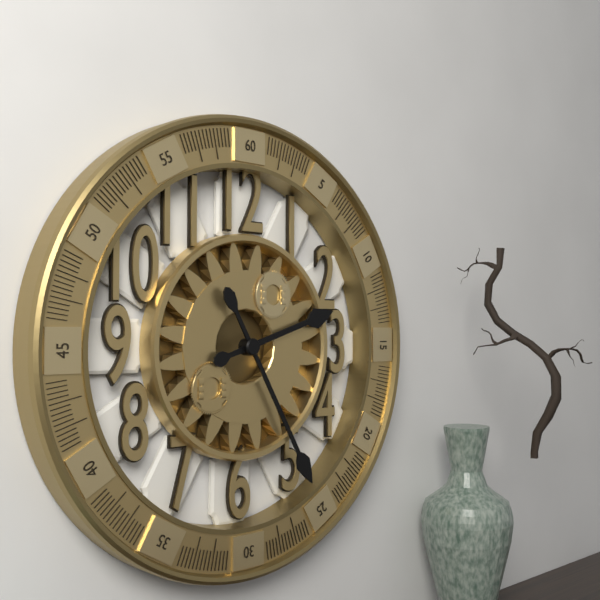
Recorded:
2.25
